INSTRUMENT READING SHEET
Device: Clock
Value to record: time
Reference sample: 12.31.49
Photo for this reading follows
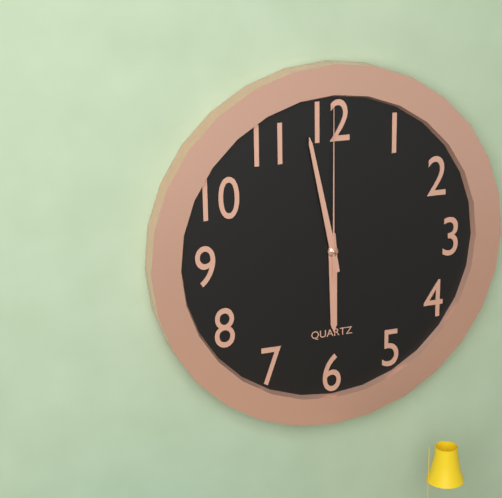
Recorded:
5.58.00
